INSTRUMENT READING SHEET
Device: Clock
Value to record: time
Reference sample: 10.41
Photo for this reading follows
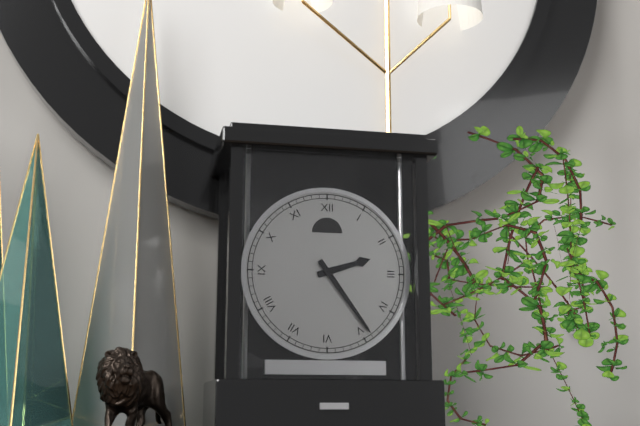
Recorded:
2.24
